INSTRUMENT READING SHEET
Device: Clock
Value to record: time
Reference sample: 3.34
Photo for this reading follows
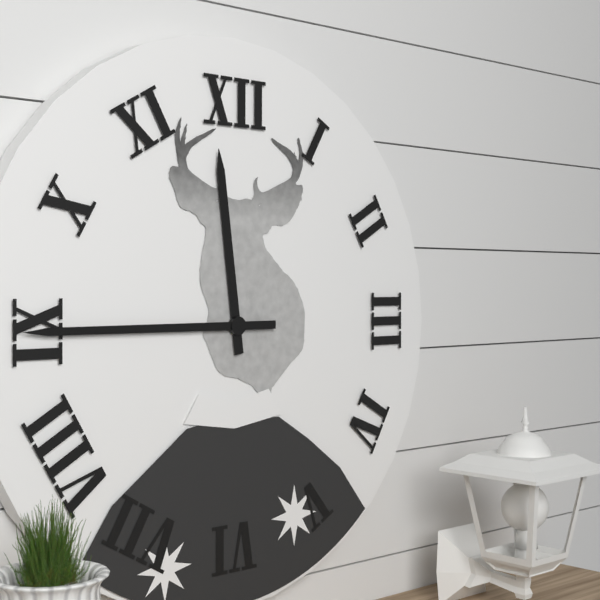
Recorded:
11.45
